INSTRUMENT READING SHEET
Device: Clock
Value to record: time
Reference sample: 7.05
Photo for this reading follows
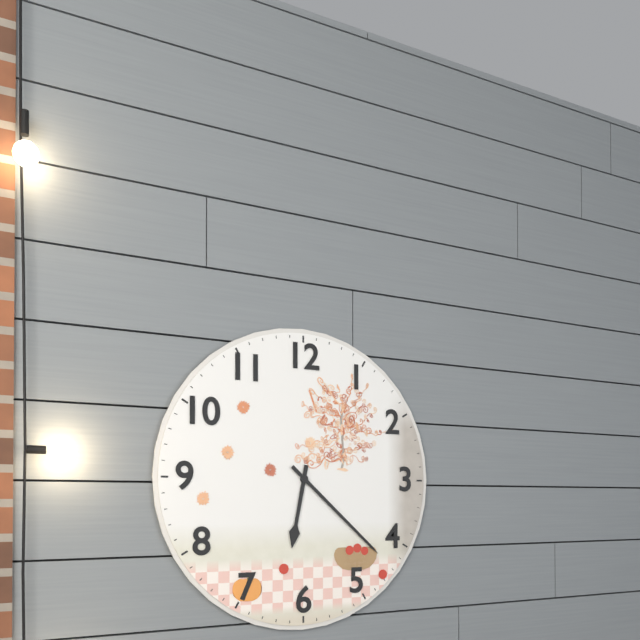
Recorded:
6.22
